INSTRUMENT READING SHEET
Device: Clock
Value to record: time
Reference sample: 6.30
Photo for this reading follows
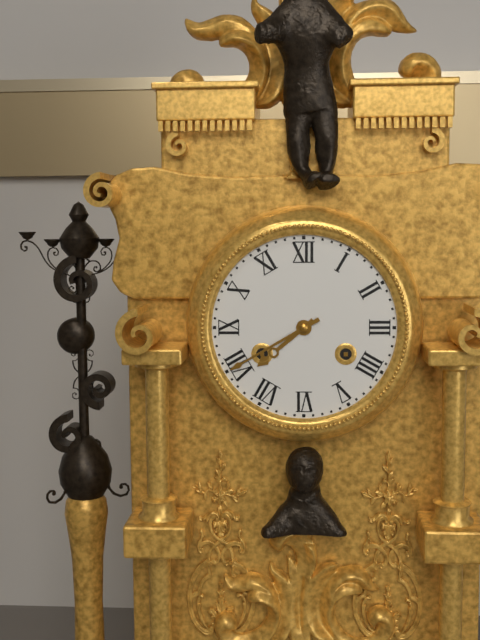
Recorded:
7.40
